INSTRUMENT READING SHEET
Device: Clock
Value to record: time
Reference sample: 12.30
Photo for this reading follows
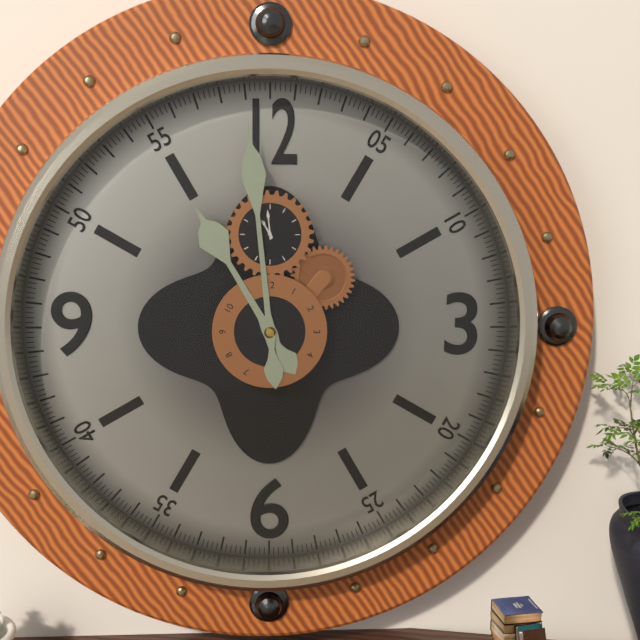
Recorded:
10.59
